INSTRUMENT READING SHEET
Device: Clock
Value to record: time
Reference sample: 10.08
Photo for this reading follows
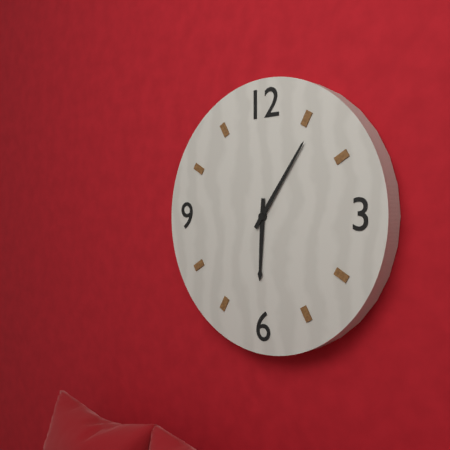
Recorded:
6.06
